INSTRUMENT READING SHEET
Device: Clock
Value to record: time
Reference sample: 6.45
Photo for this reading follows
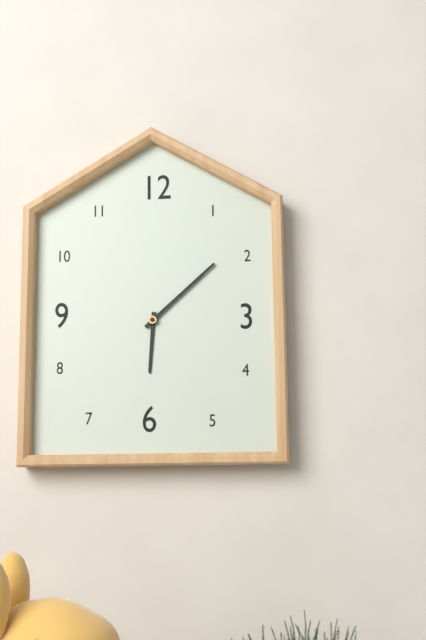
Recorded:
6.08
